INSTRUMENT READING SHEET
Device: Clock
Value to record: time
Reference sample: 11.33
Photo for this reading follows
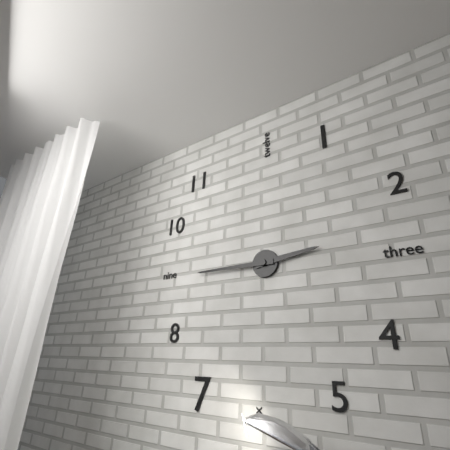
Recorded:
2.45
